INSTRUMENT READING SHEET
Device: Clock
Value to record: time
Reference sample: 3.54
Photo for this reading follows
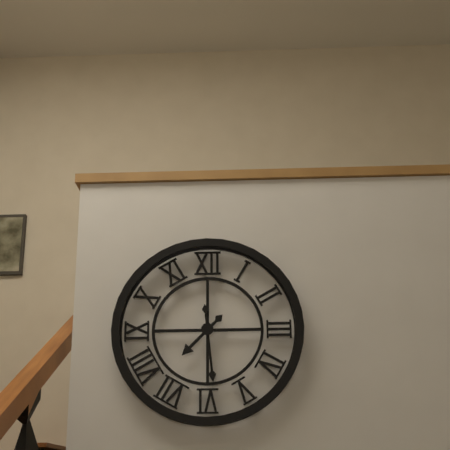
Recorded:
7.29
